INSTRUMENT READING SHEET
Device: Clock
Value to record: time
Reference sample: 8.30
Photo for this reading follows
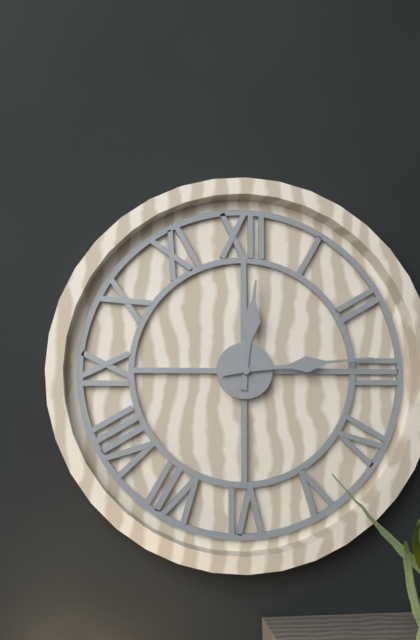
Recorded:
12.14
